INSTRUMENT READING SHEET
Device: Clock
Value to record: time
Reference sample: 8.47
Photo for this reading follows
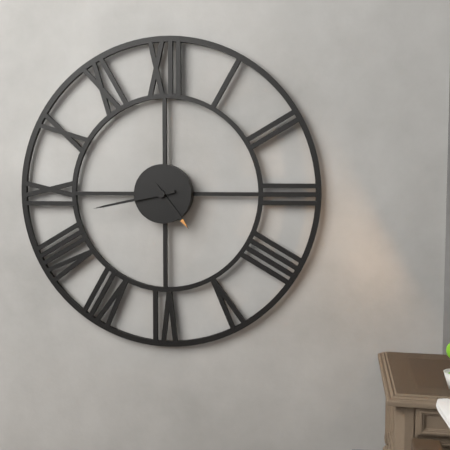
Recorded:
4.43
